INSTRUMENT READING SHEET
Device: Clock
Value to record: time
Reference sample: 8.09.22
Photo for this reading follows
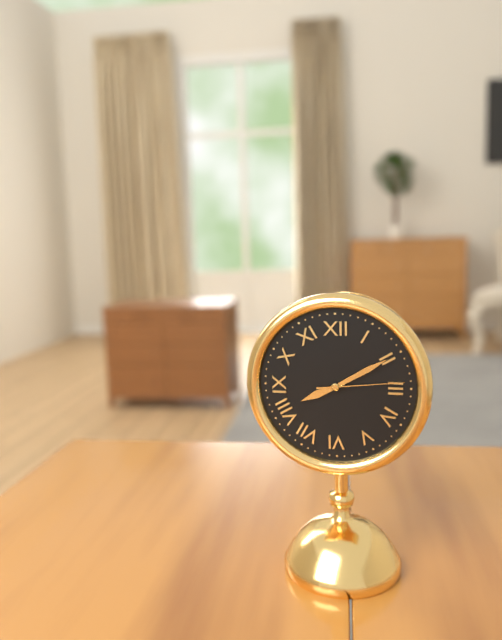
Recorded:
8.10.14
